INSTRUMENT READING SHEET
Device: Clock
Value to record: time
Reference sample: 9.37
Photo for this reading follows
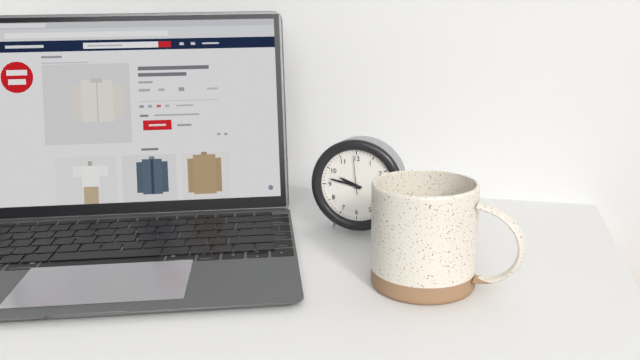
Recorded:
9.47
